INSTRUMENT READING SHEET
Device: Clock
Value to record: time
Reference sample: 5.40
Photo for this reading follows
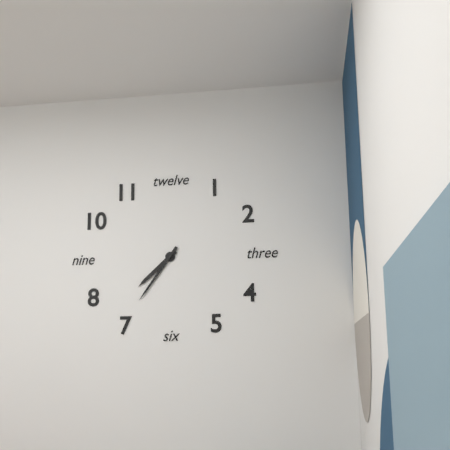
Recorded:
7.36
